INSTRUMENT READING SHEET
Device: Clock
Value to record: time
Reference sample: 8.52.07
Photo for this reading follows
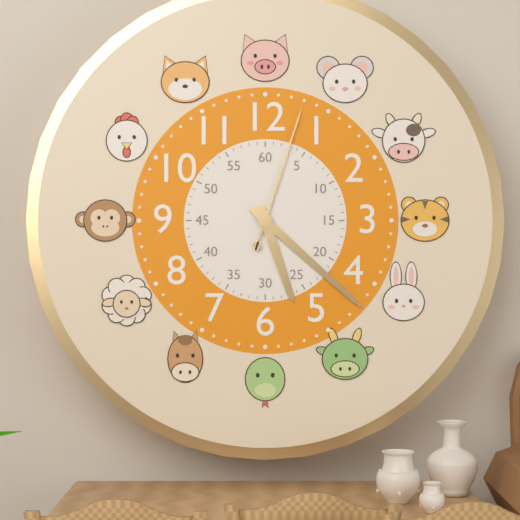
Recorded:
5.22.03
